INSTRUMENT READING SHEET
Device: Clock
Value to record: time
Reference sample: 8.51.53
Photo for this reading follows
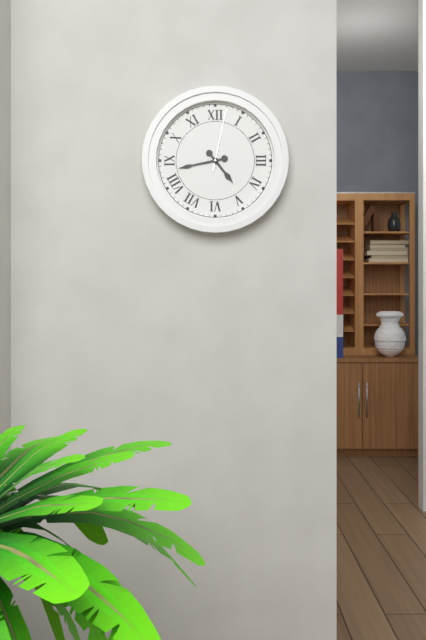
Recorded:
4.43.02
